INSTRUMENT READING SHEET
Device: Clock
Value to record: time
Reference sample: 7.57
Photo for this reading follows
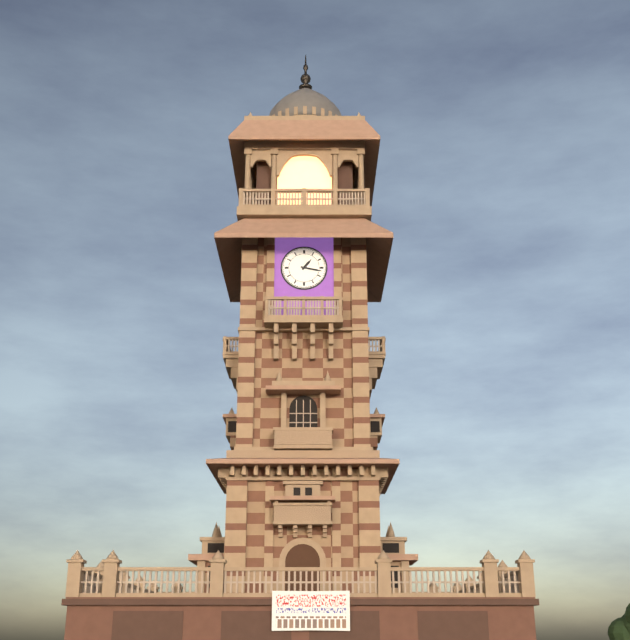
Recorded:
1.17
